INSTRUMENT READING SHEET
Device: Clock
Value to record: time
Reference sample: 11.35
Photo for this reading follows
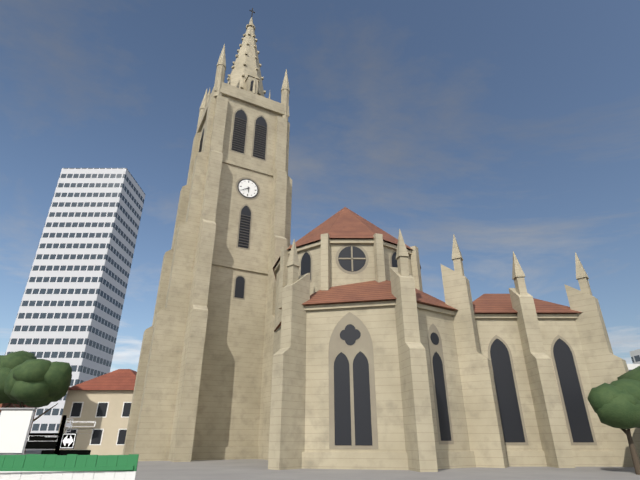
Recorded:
5.40
